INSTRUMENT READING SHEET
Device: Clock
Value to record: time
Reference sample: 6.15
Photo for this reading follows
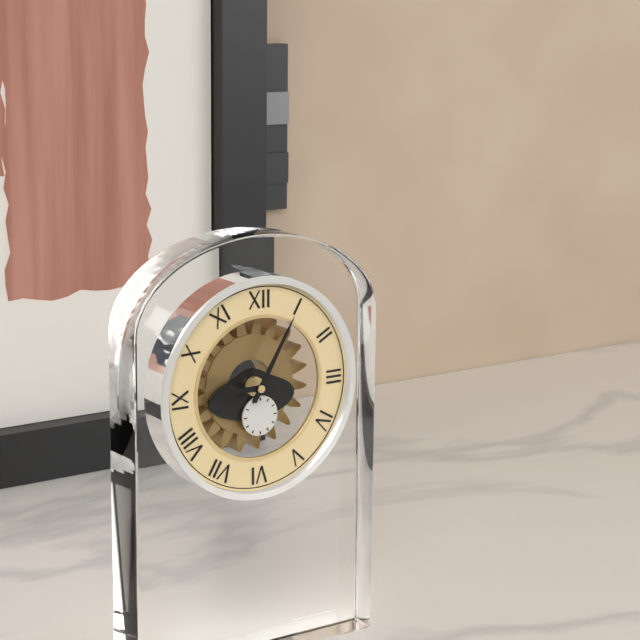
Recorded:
9.05
